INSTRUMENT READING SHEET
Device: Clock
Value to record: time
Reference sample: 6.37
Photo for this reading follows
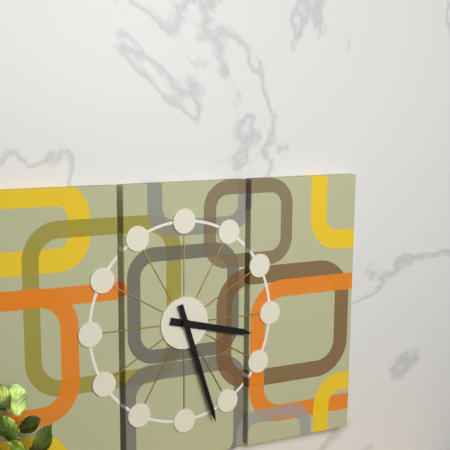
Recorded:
3.27
